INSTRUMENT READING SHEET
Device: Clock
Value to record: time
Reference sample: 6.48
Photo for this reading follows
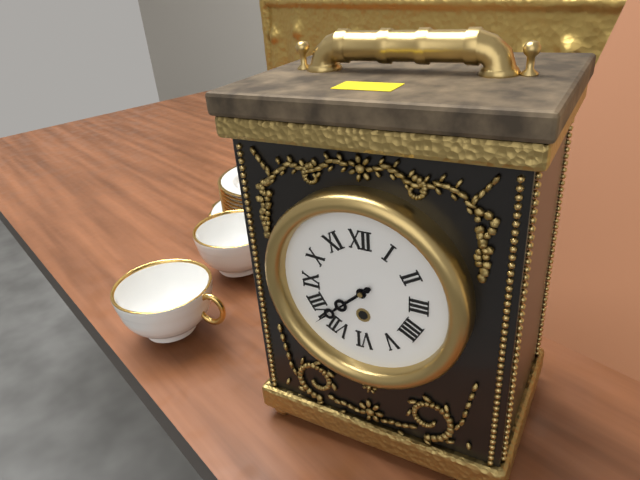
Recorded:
7.38
